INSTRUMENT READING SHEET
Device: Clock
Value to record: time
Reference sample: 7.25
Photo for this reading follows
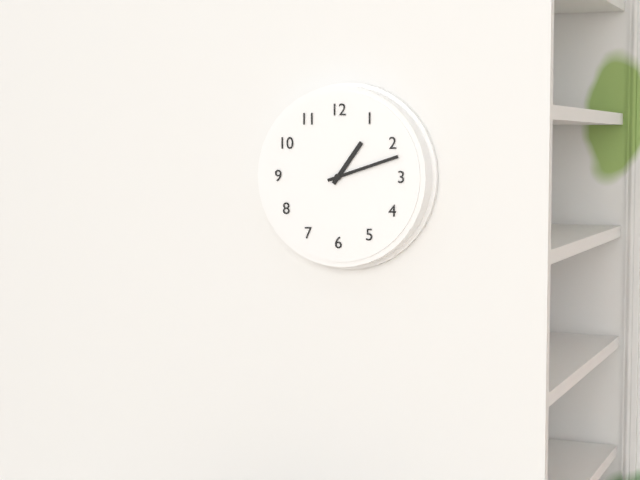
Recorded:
1.12
